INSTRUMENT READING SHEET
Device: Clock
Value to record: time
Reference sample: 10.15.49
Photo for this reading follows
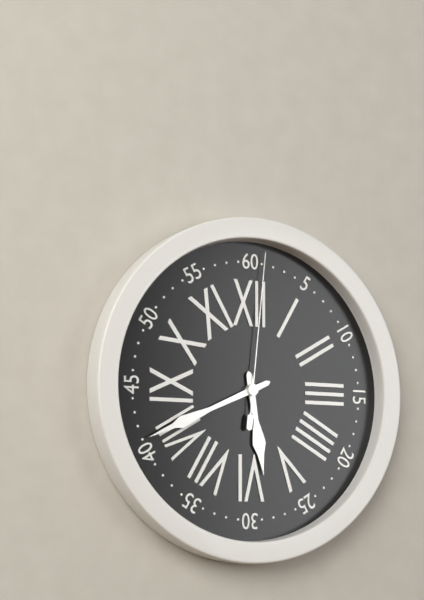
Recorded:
5.41.01
